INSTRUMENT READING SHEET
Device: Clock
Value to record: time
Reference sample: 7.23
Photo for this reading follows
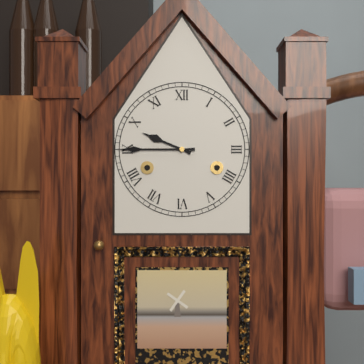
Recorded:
9.45
